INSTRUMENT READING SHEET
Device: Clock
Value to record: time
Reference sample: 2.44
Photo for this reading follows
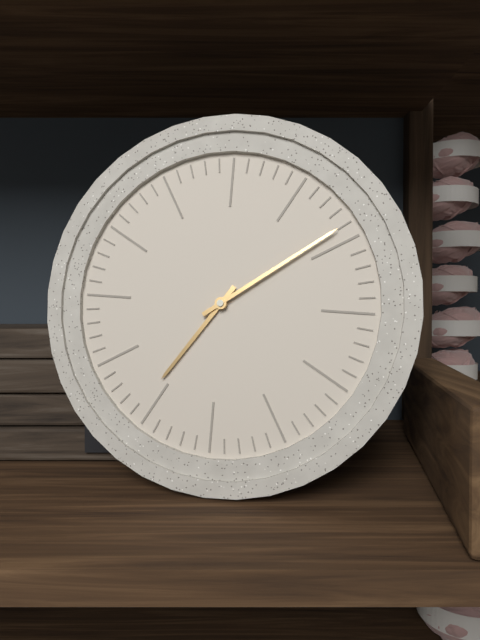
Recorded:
7.09
